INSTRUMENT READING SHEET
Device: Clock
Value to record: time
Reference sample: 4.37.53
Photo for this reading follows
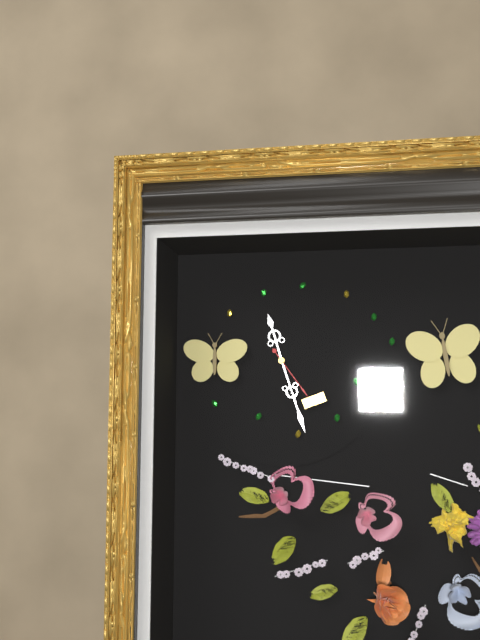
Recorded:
11.27.24
